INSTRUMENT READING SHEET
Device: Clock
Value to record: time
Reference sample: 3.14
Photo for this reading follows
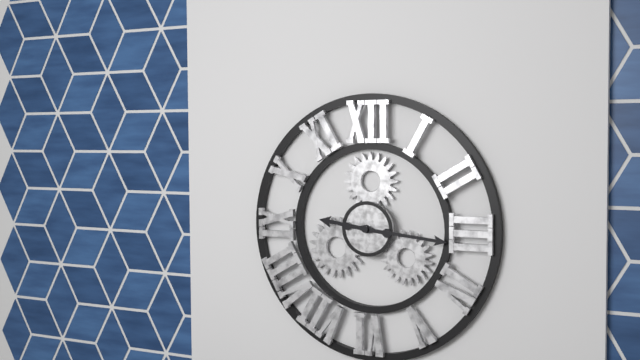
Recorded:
9.16
